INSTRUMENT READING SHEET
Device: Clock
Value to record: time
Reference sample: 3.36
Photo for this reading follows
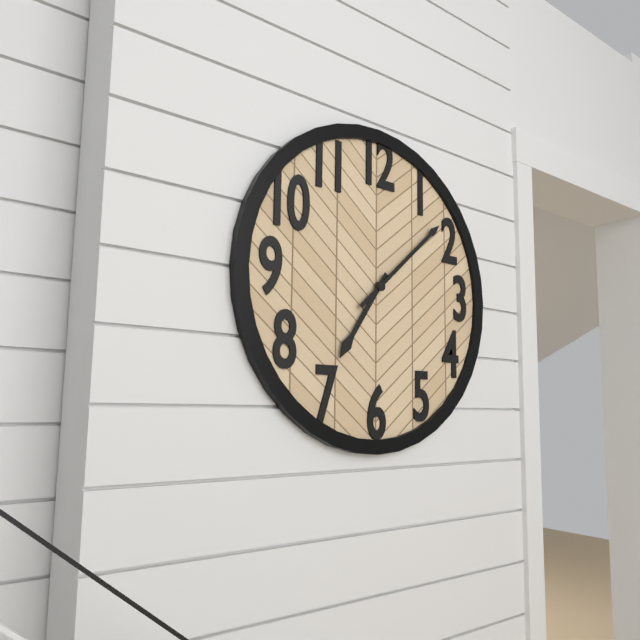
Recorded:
7.08
